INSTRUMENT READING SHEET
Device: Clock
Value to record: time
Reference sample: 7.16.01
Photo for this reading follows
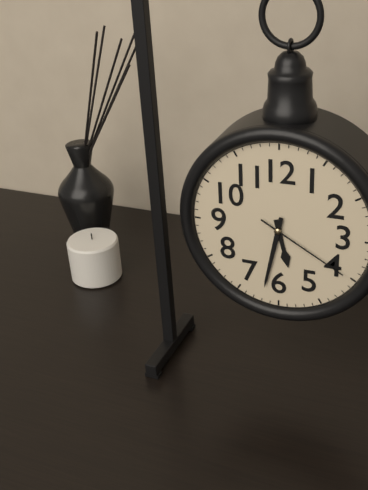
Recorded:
5.32.20
